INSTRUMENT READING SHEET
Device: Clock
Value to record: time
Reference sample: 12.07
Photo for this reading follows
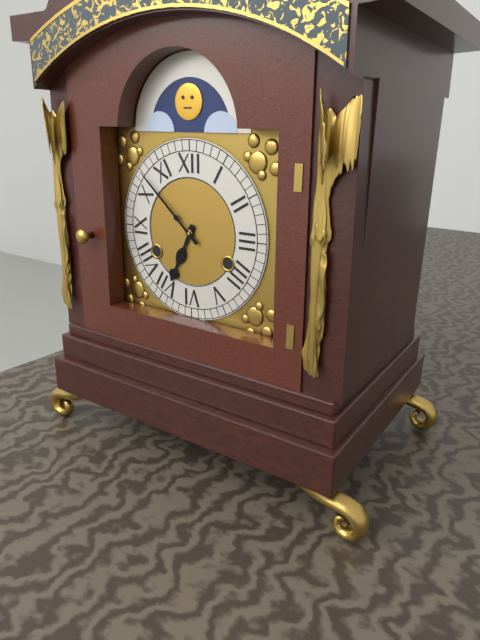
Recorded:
6.52
